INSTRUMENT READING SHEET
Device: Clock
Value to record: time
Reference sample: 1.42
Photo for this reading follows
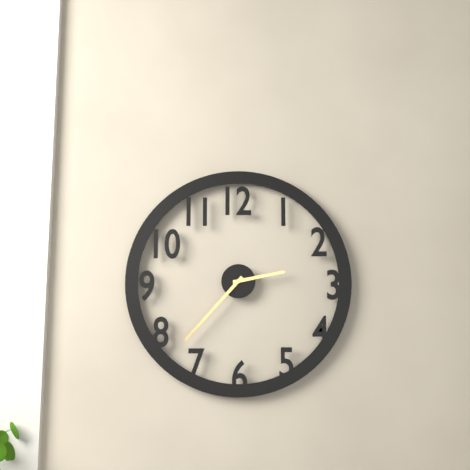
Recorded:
2.37
